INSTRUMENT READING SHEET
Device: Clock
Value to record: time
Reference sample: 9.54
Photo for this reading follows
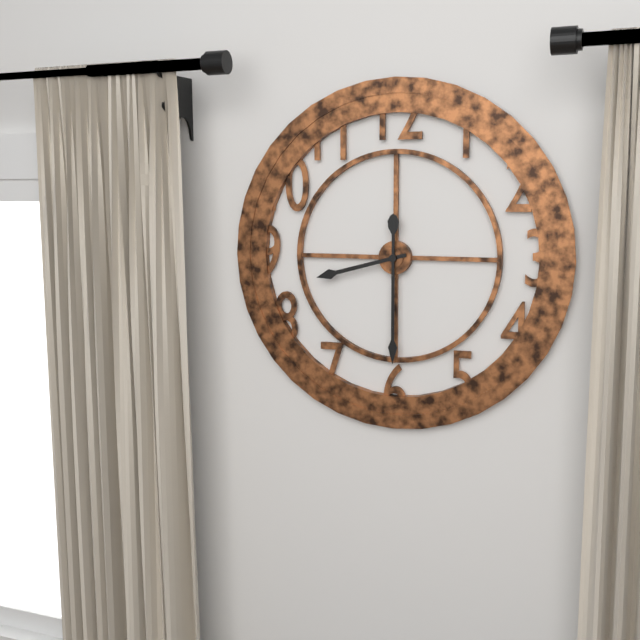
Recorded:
8.30
